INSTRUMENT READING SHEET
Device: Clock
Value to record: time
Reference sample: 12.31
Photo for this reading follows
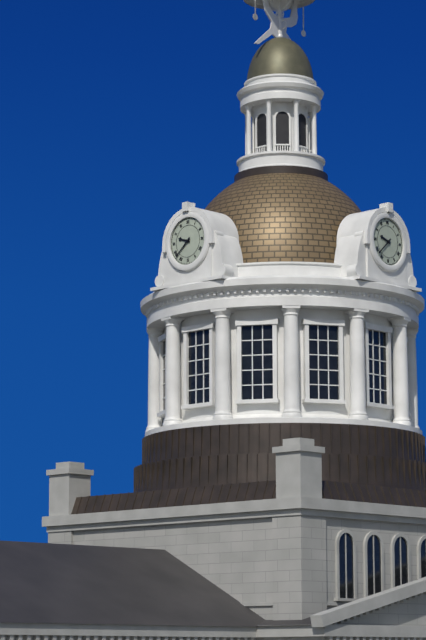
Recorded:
9.38
